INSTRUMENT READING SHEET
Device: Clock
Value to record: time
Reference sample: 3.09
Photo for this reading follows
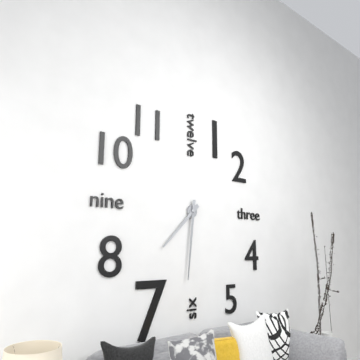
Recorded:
7.31
